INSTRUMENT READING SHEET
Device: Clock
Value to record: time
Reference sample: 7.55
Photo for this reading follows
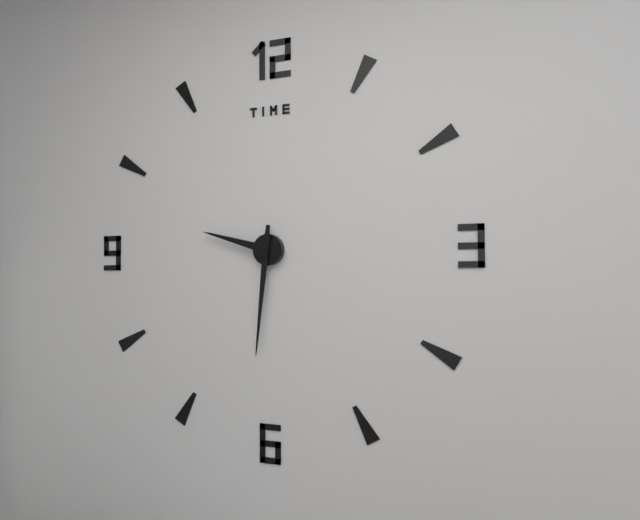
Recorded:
9.31
